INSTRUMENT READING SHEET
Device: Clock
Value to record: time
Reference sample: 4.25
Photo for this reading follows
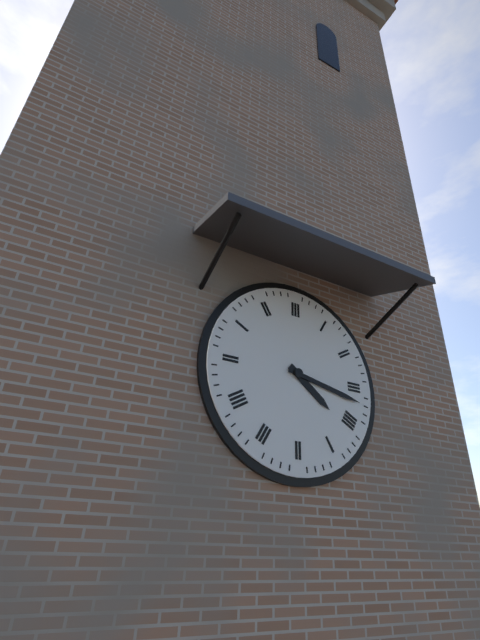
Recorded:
4.17
